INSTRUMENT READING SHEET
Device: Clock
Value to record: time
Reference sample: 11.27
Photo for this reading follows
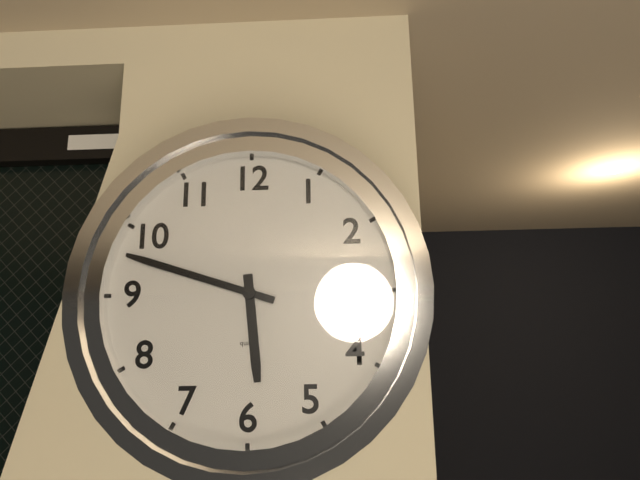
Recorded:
5.48
